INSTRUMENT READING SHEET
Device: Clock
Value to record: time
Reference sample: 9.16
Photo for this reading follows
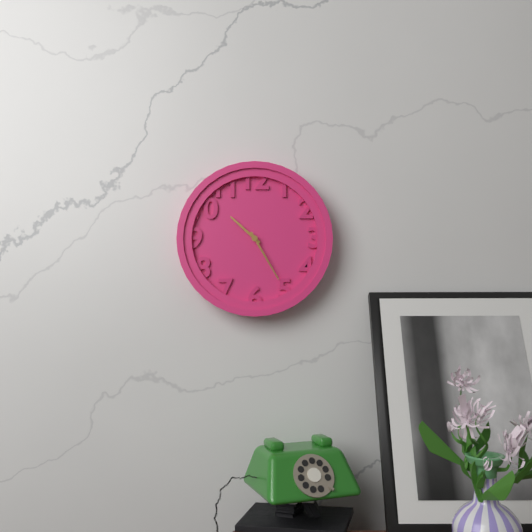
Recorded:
10.25
